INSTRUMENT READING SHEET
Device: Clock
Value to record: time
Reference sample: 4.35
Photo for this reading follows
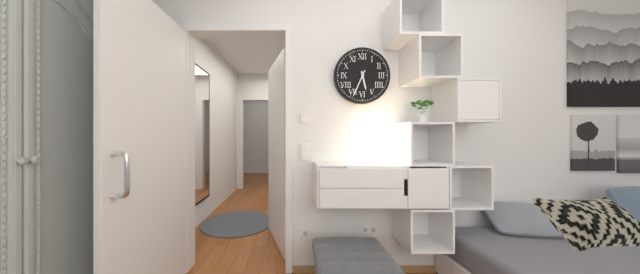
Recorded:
5.34
